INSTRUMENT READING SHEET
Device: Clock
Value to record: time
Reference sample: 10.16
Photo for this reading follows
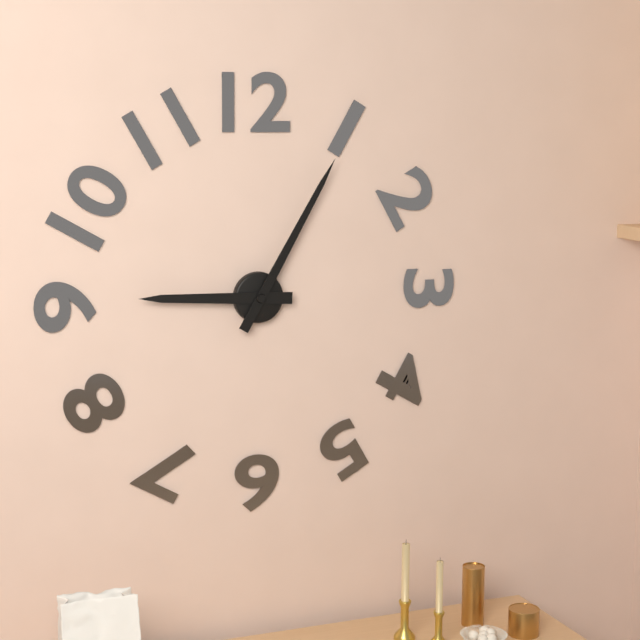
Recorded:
9.05
